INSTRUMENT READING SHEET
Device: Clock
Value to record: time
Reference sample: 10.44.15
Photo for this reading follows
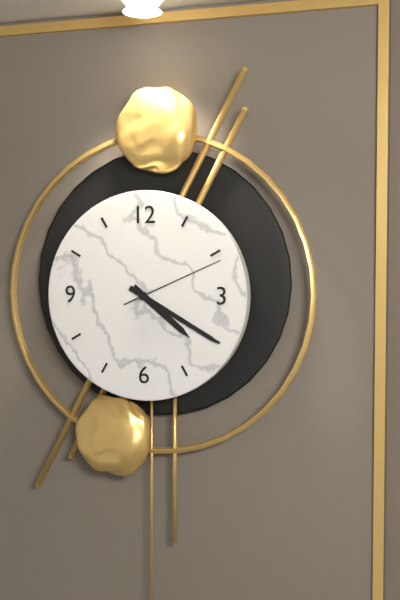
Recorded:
4.20.11
